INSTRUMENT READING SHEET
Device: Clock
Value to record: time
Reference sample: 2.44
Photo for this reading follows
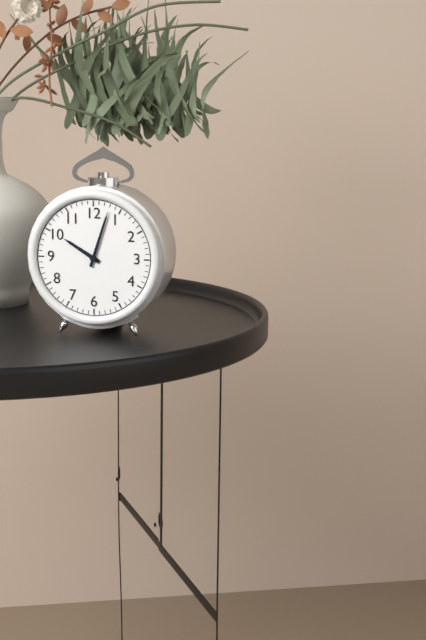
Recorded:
10.03
